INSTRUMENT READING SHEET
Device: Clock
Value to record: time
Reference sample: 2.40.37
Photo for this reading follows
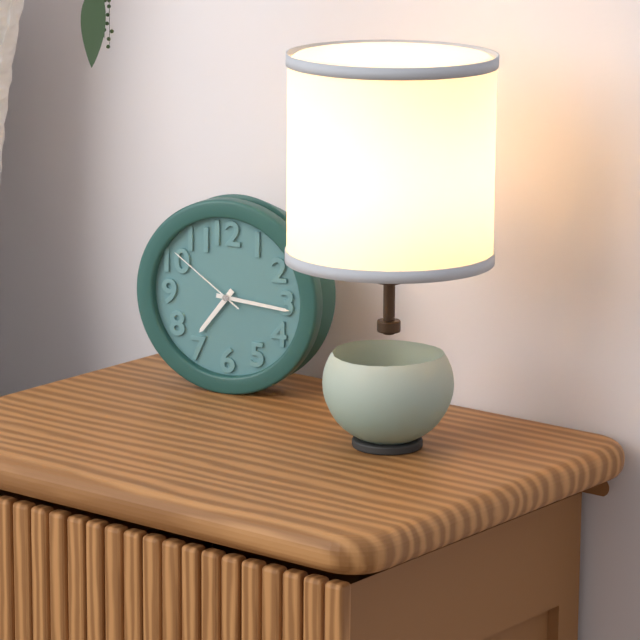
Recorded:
7.16.51
